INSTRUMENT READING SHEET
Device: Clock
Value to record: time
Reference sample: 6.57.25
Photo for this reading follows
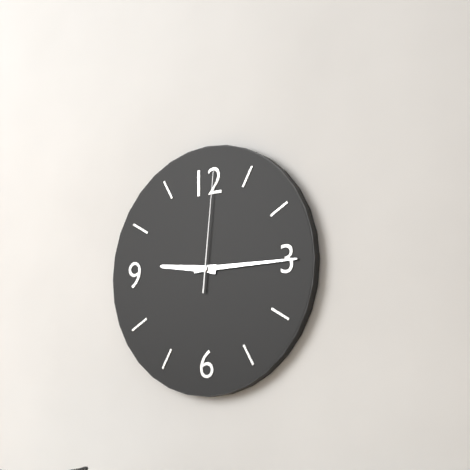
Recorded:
9.15.01
